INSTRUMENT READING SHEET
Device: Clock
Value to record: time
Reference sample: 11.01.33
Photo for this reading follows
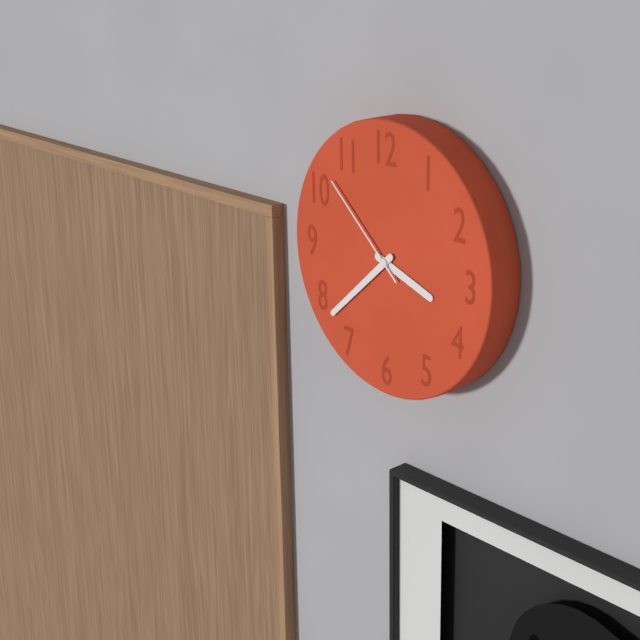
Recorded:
3.38.52
